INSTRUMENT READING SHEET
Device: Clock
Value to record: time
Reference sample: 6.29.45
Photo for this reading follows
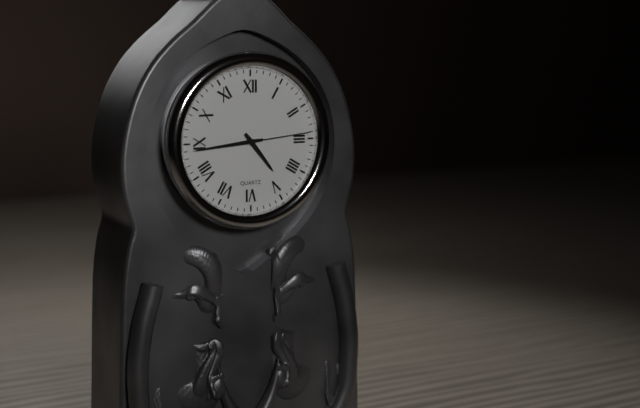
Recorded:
4.44.14
